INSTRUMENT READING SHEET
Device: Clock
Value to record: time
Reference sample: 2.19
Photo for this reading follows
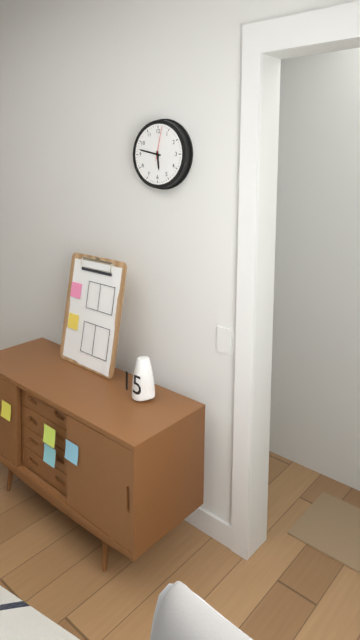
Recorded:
5.47
